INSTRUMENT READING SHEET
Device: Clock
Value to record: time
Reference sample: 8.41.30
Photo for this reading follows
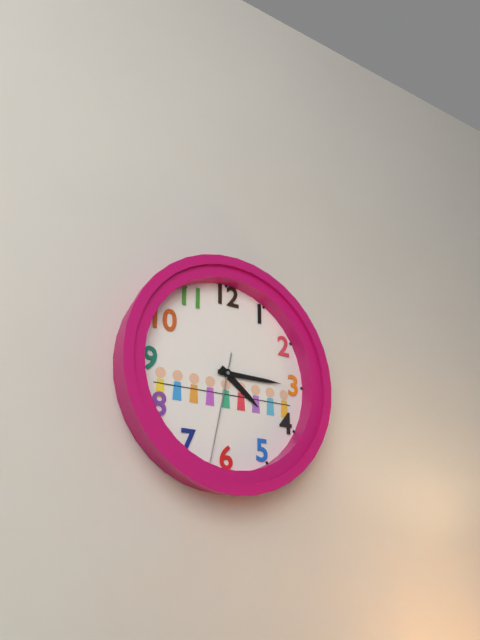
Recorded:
4.15.32
